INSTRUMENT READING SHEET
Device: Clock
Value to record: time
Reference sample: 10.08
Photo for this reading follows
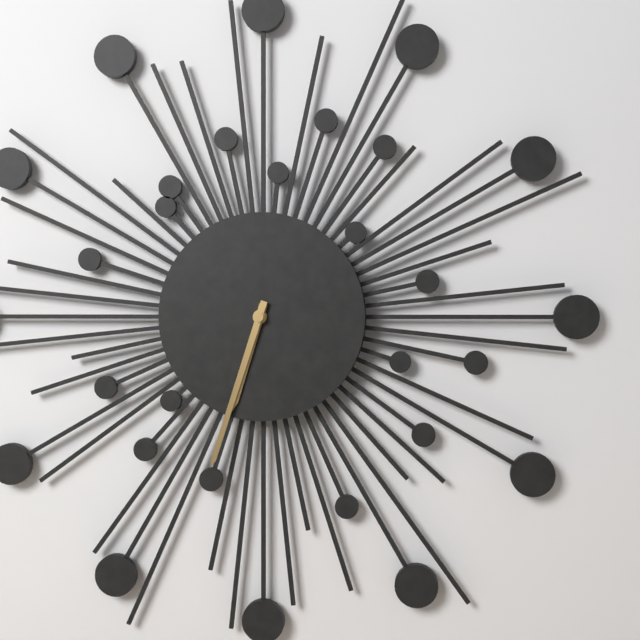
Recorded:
6.33
